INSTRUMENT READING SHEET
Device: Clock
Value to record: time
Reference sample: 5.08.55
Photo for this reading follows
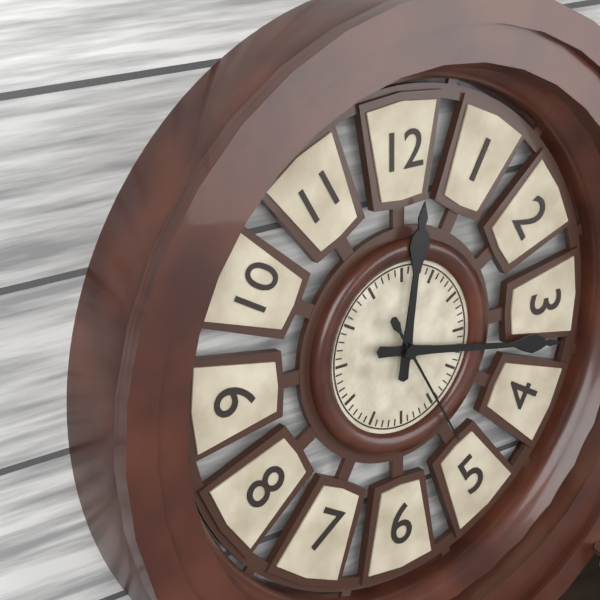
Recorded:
12.17.25
